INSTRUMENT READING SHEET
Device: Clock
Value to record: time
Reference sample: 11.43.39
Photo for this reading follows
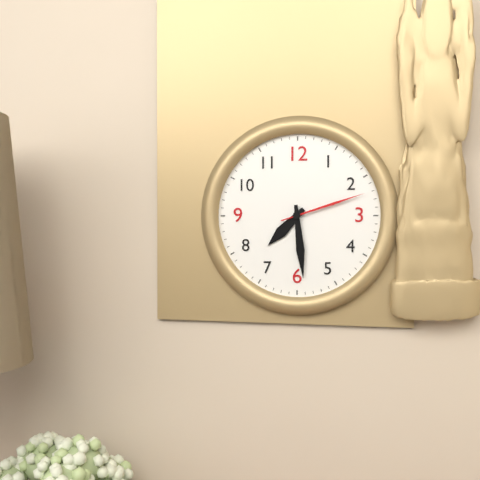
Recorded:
7.29.12
